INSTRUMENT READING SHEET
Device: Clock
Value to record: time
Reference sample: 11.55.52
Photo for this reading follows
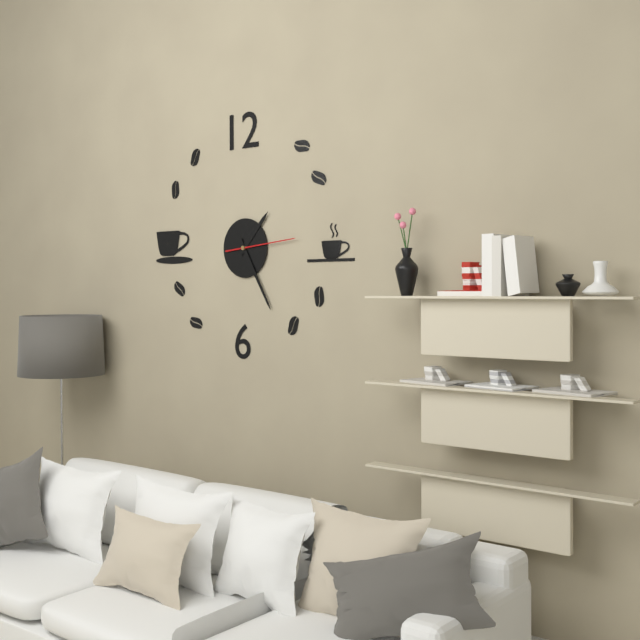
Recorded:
1.25.14
